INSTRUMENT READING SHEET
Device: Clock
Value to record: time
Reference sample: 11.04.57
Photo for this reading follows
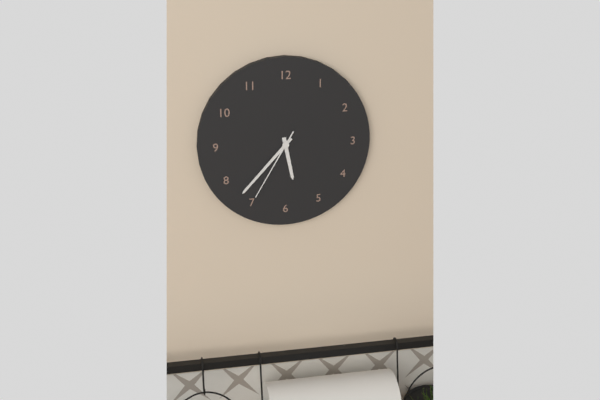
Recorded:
5.37.35
